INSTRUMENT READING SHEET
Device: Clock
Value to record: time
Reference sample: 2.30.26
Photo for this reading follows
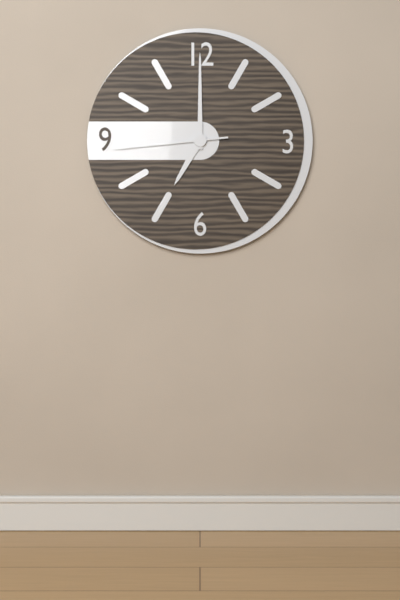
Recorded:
7.00.44
